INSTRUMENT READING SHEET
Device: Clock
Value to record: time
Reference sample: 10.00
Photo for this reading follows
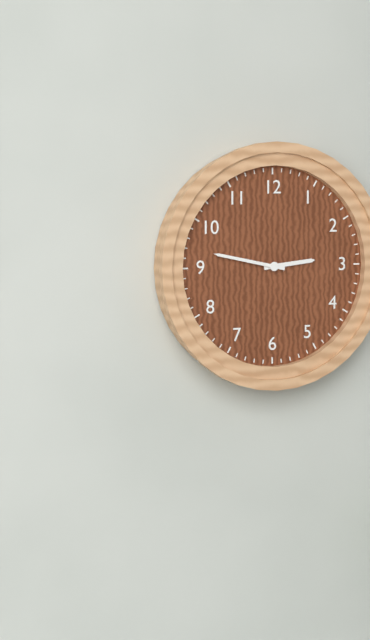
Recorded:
2.47
